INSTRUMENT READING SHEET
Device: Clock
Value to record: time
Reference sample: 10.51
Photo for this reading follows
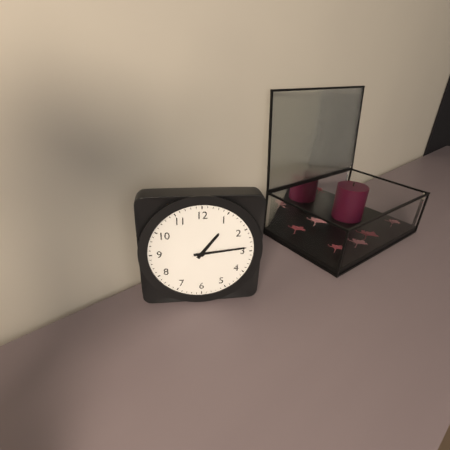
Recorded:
1.14
